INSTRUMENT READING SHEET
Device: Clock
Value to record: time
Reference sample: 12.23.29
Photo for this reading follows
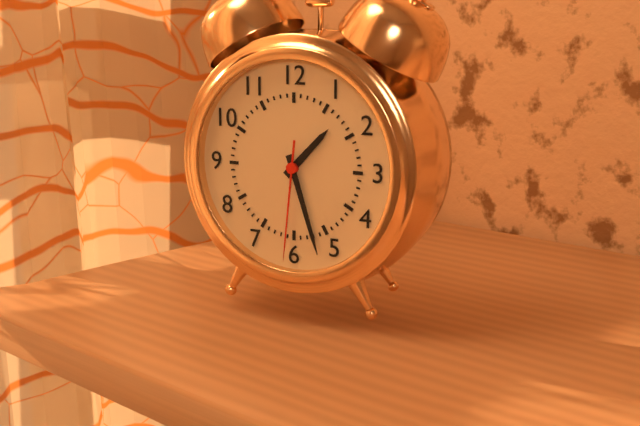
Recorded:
1.27.31
